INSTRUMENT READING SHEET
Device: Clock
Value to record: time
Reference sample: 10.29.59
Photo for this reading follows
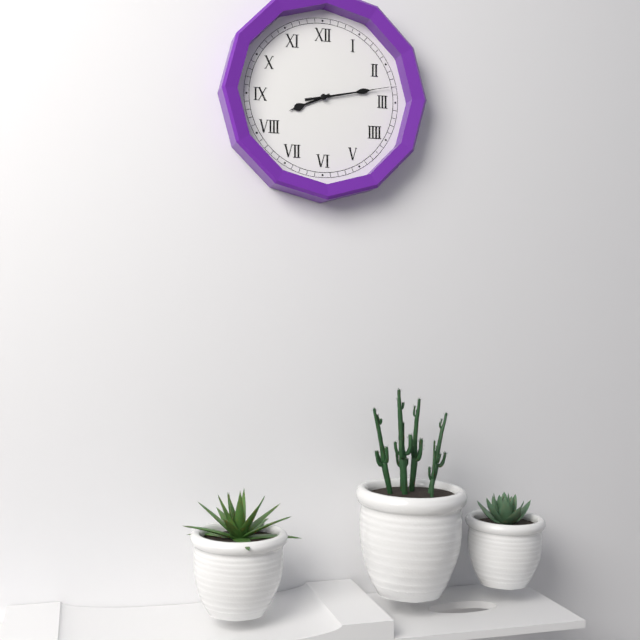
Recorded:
8.13.13
